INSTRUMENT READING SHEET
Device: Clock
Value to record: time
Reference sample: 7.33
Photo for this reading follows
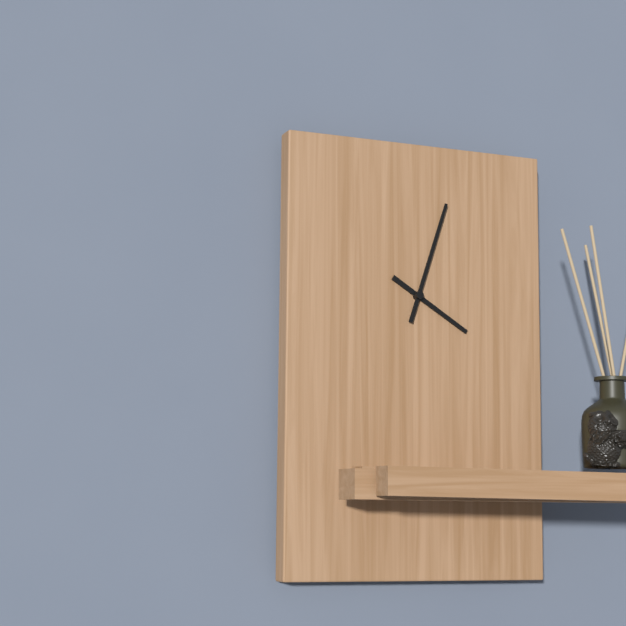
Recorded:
4.03
